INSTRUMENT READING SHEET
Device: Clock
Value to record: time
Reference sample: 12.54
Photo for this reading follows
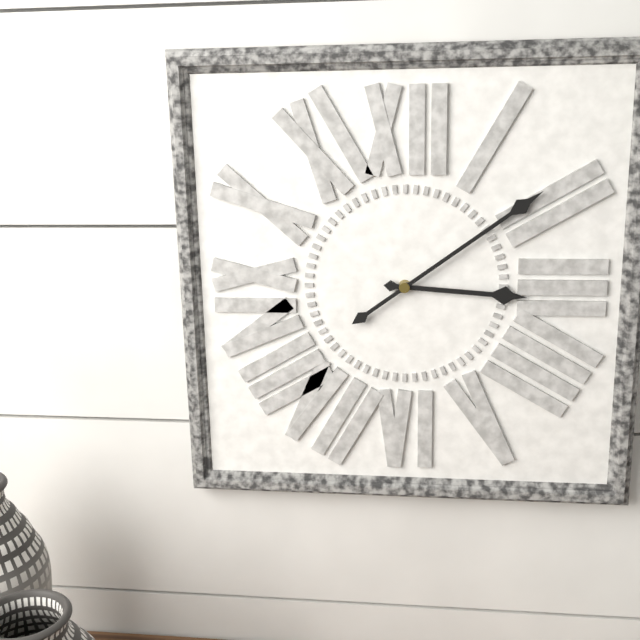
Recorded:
3.09
